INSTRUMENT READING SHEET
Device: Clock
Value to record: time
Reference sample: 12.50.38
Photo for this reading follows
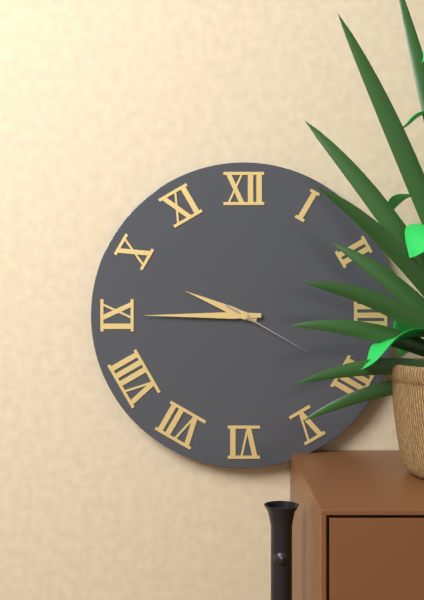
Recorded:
9.45.20
